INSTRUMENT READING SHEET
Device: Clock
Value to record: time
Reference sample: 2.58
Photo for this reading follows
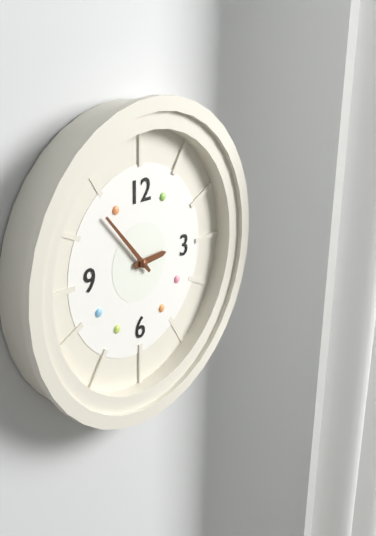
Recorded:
2.53
